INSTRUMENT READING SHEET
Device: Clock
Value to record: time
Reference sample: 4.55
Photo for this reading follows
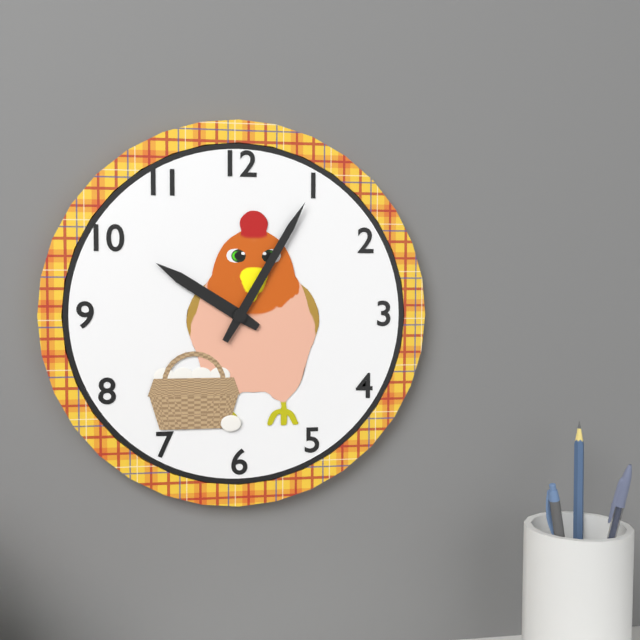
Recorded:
10.05
